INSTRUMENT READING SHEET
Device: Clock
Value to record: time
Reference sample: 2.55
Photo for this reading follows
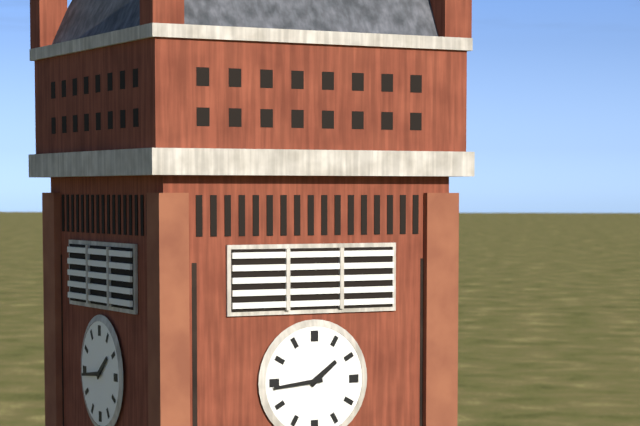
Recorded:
1.44
